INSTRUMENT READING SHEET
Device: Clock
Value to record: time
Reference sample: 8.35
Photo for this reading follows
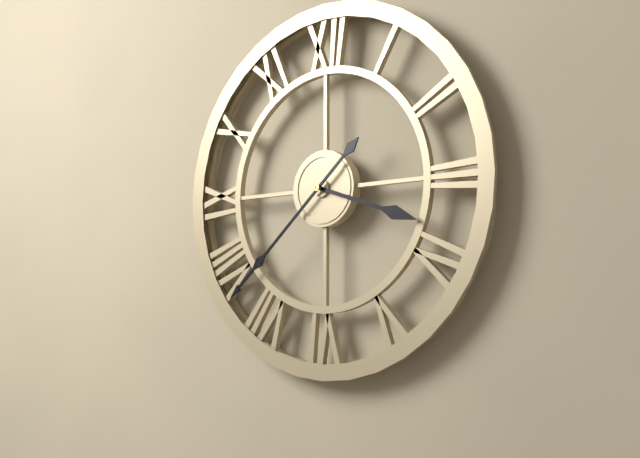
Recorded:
3.38
